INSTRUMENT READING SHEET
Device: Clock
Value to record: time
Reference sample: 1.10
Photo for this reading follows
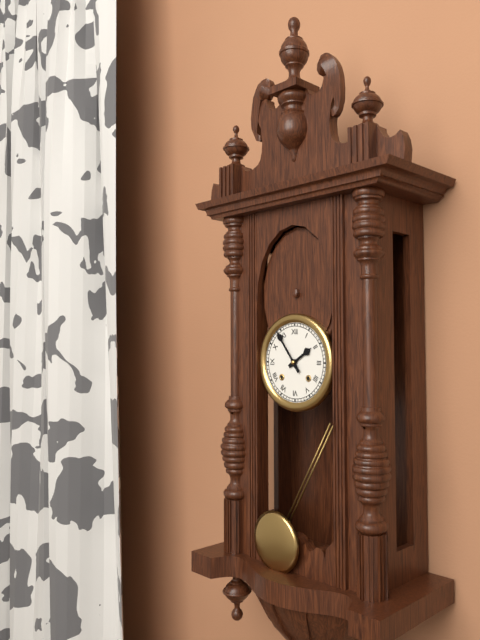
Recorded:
1.54
